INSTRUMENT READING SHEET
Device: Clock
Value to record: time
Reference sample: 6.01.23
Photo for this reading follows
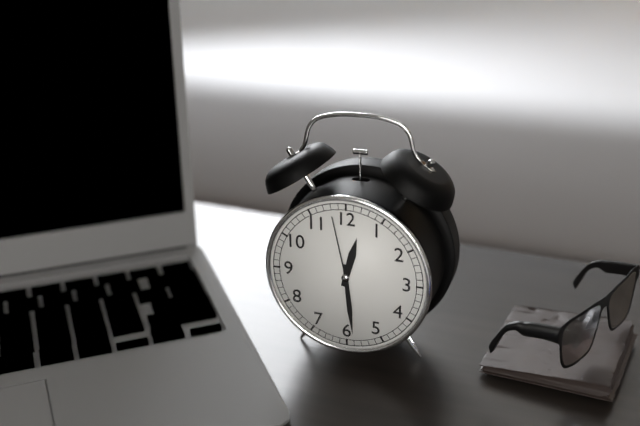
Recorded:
12.29.58
